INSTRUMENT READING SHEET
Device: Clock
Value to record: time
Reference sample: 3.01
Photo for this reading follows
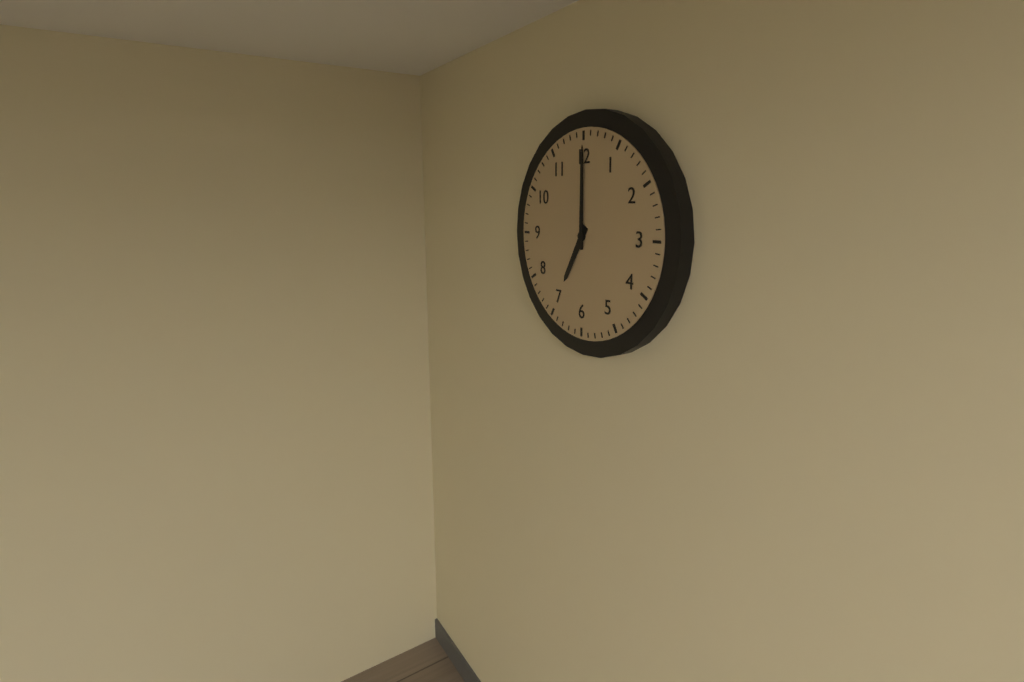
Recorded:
7.00
